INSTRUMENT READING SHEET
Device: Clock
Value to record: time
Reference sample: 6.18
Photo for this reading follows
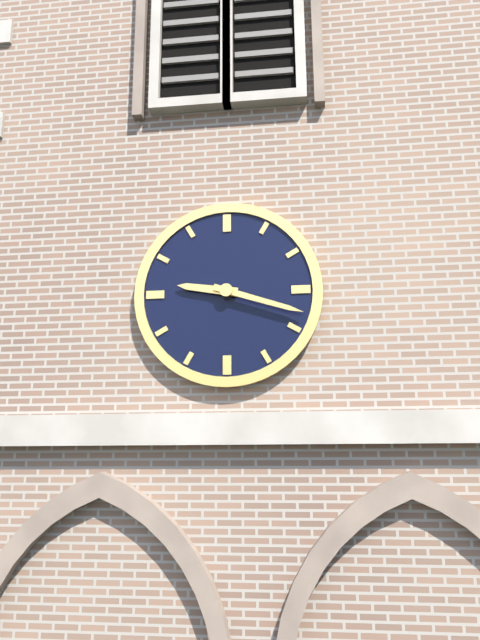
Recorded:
9.18
